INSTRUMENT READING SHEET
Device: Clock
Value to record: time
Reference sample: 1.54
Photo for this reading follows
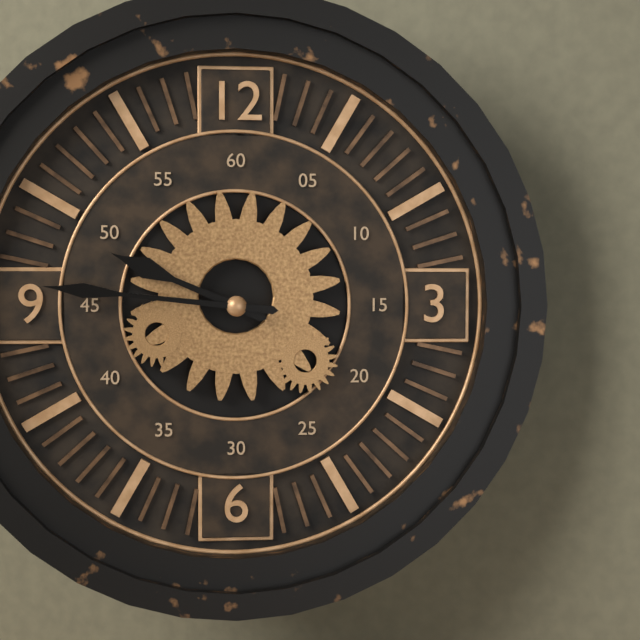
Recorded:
9.46
